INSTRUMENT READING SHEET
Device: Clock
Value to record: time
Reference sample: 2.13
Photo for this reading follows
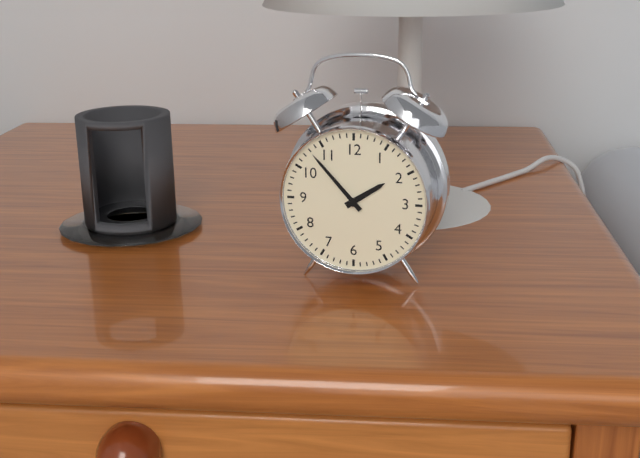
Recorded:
1.53
